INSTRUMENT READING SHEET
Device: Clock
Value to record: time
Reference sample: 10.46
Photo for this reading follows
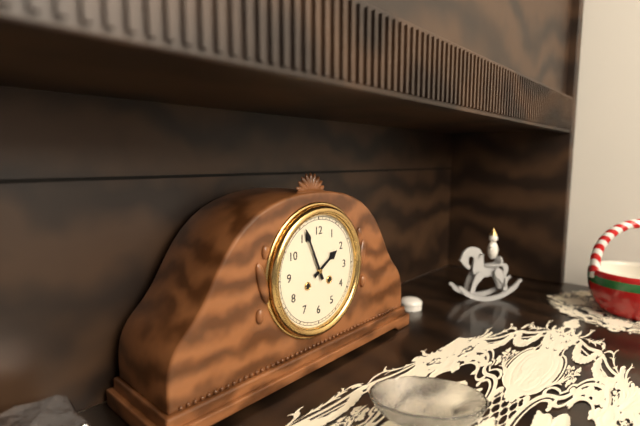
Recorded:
1.56
